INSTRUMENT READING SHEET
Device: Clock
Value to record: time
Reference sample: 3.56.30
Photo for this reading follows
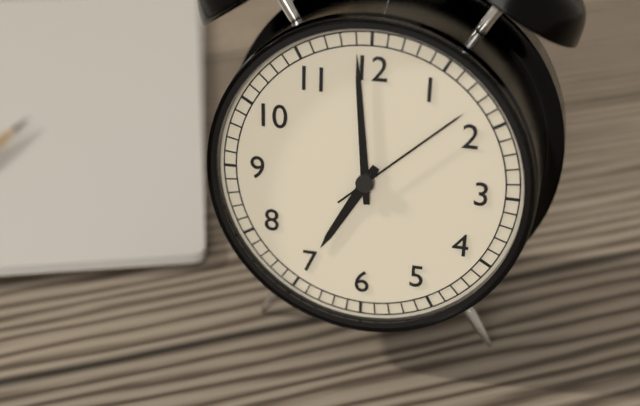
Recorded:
6.59.08
